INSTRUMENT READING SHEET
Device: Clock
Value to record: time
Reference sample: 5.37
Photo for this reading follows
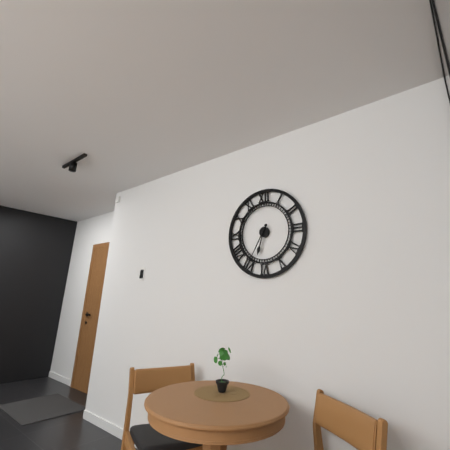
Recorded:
6.35
